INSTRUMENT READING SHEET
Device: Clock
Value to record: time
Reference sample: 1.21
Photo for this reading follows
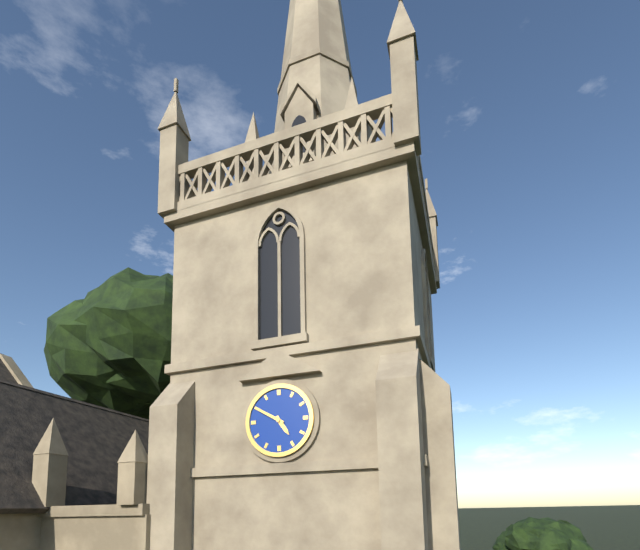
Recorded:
4.50
